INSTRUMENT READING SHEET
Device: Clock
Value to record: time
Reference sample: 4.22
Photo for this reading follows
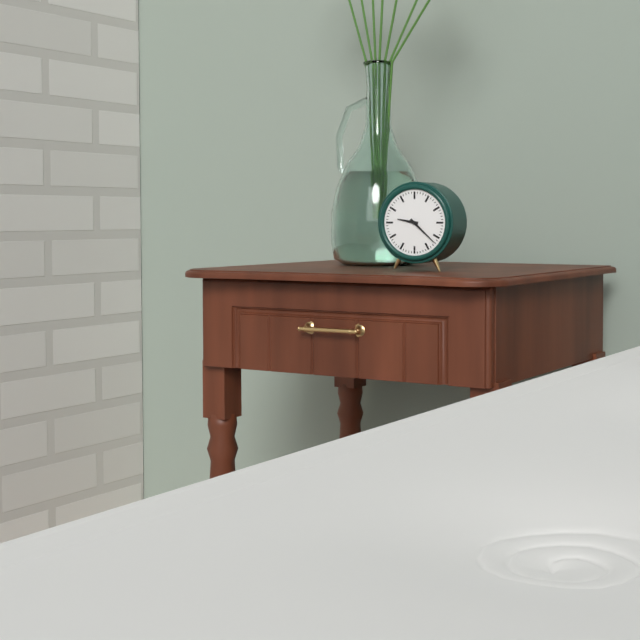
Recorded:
9.22
